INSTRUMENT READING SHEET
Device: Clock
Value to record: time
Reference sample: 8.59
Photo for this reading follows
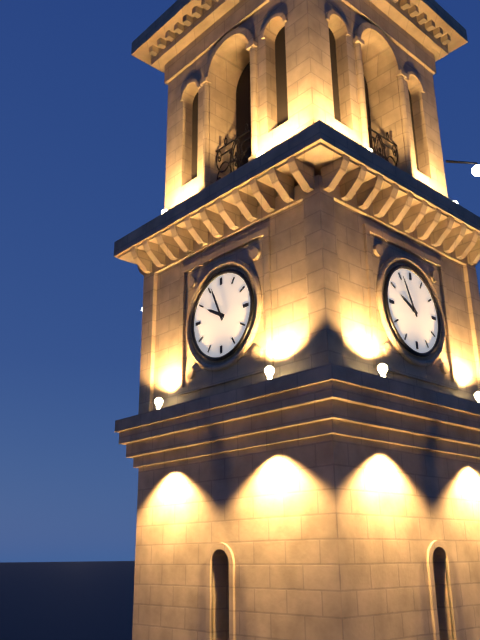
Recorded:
9.56
